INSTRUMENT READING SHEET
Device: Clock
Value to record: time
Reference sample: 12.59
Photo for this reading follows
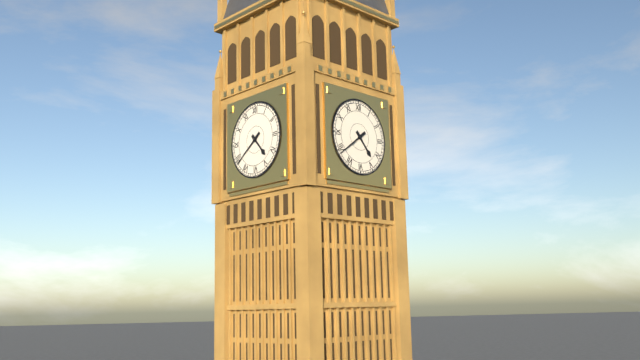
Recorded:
4.39
